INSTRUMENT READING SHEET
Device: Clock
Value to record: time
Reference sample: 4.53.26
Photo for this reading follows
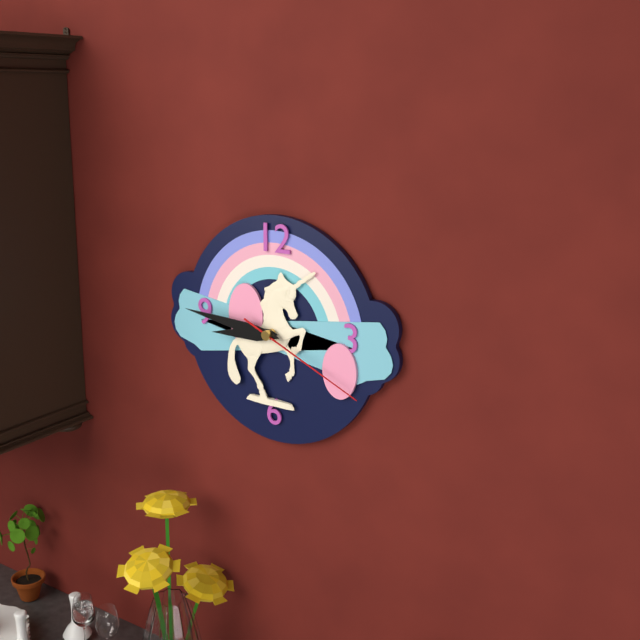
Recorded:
8.46.19
